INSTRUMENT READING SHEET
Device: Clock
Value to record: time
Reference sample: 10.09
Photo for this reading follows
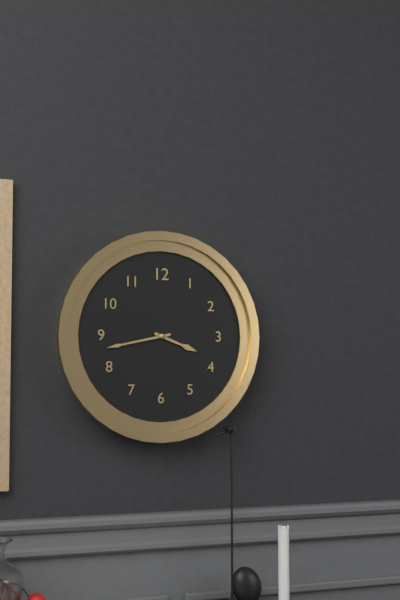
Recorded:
3.43
